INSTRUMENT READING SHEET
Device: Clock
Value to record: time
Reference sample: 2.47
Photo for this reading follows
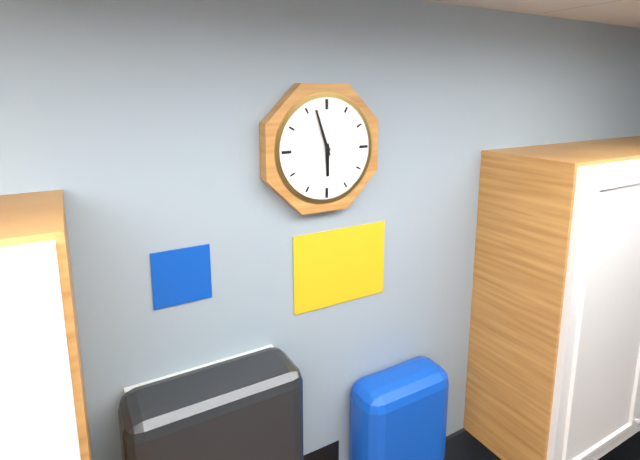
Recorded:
5.57
